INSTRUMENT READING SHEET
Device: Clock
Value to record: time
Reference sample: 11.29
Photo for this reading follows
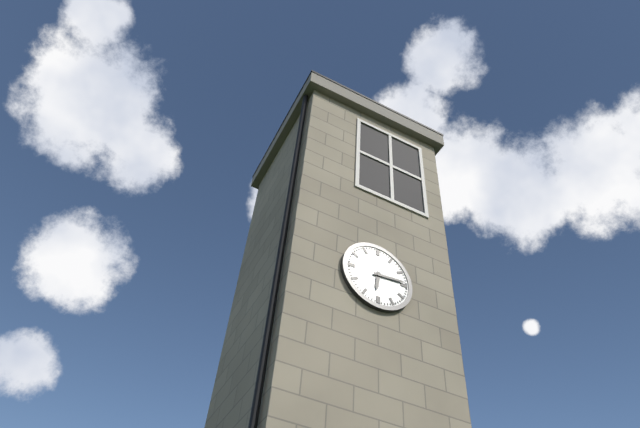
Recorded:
6.14
